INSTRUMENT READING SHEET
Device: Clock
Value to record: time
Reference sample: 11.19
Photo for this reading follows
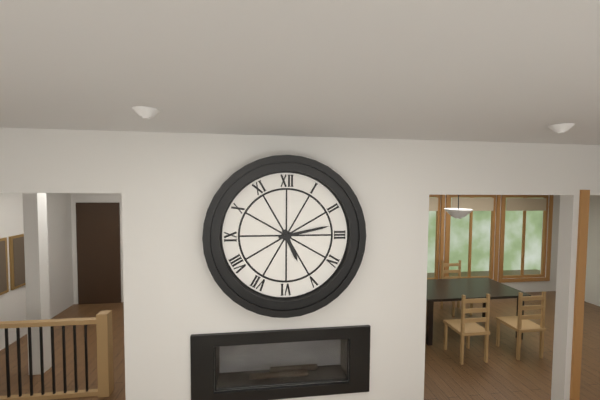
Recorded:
5.13
